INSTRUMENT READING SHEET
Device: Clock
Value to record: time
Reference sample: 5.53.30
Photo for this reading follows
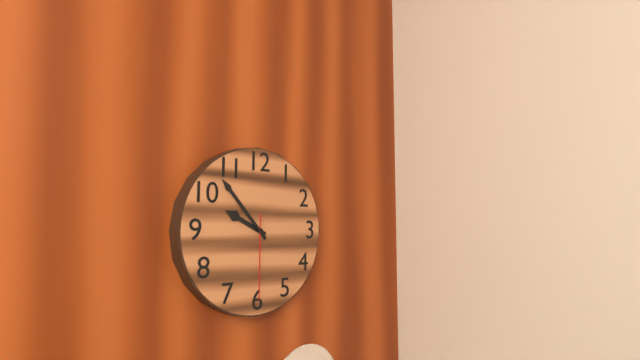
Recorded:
9.53.30
